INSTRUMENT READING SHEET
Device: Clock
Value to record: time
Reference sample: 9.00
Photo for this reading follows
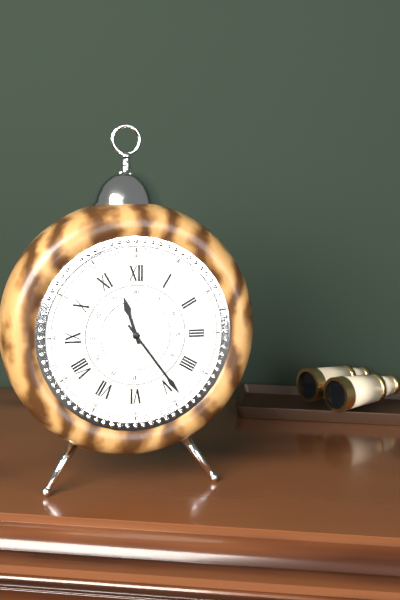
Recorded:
11.24
